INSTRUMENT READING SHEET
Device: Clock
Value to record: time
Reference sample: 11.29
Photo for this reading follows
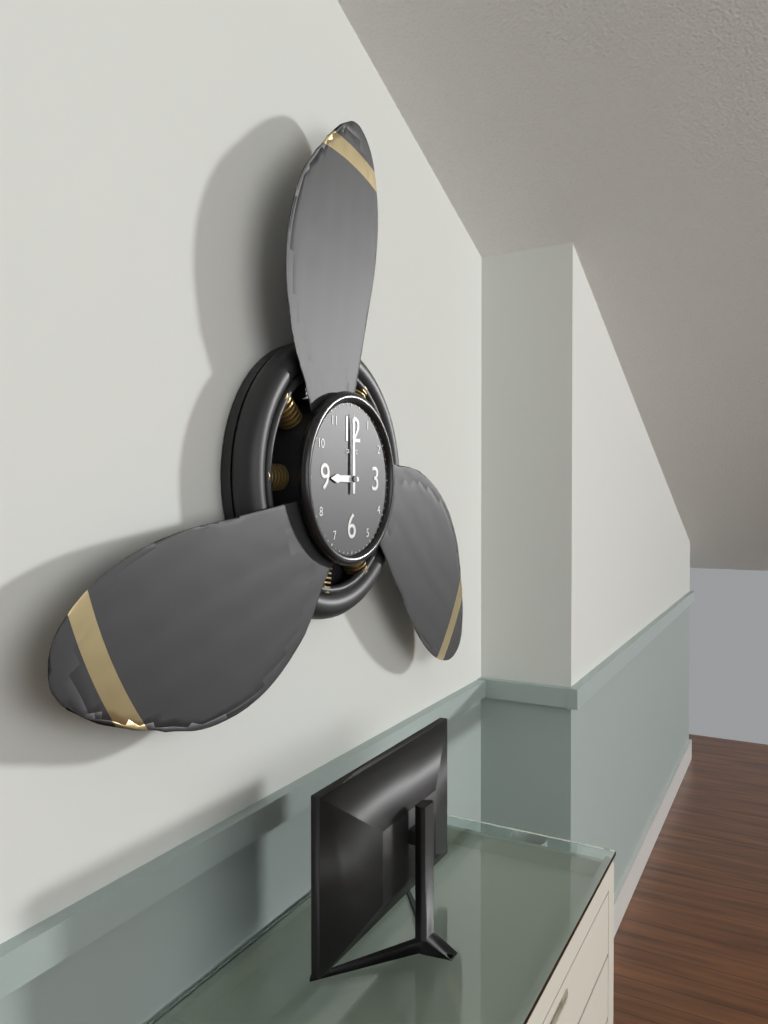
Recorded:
9.00
